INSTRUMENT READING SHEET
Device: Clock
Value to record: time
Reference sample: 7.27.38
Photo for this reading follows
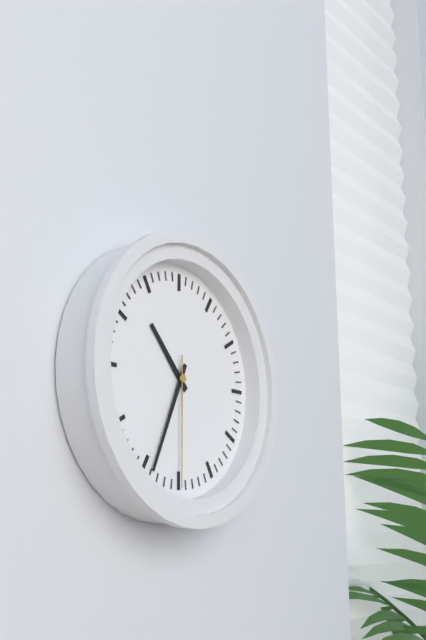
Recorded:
10.34.30
